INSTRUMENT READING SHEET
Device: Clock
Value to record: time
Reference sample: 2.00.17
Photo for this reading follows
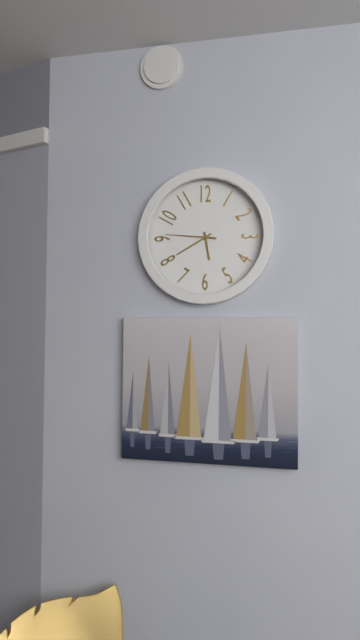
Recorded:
5.40.46
